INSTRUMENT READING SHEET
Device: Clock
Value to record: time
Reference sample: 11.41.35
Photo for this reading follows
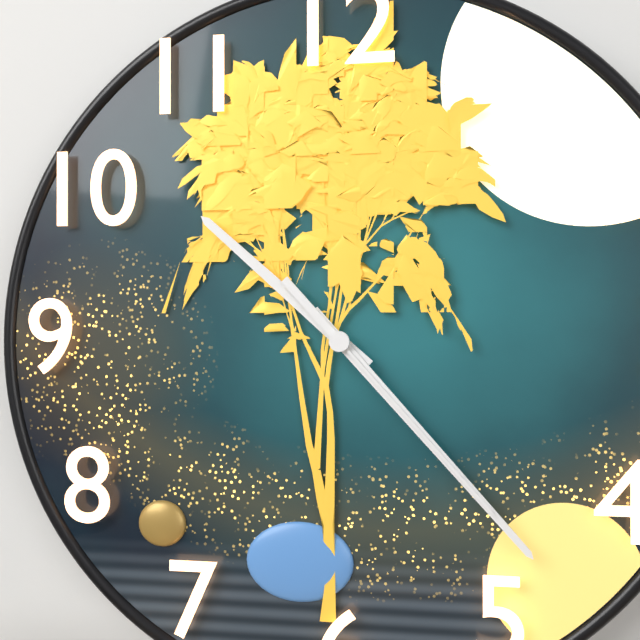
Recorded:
10.23.23
